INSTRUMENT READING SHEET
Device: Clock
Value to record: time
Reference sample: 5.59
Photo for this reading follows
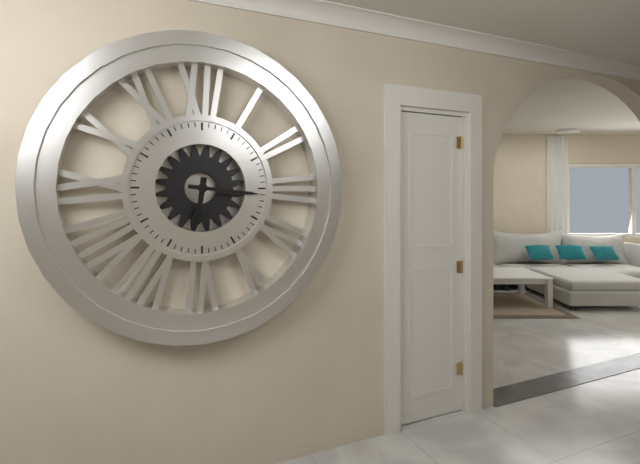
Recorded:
6.16
